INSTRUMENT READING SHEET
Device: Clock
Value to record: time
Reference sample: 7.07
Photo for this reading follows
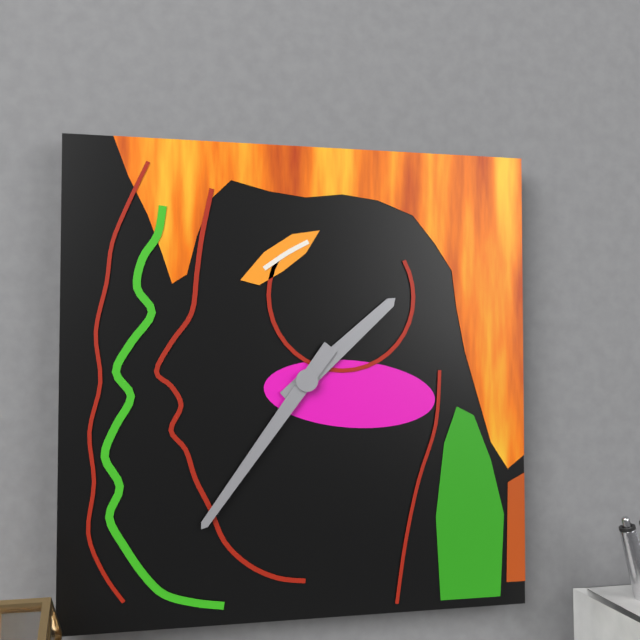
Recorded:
1.36
